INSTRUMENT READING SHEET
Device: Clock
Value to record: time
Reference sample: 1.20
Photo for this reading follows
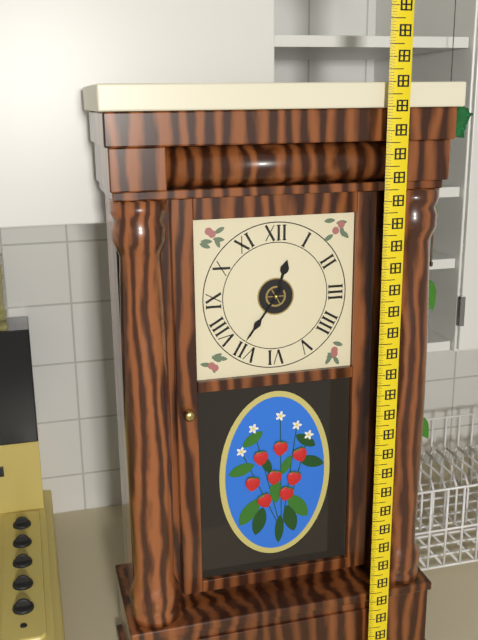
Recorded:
12.36
